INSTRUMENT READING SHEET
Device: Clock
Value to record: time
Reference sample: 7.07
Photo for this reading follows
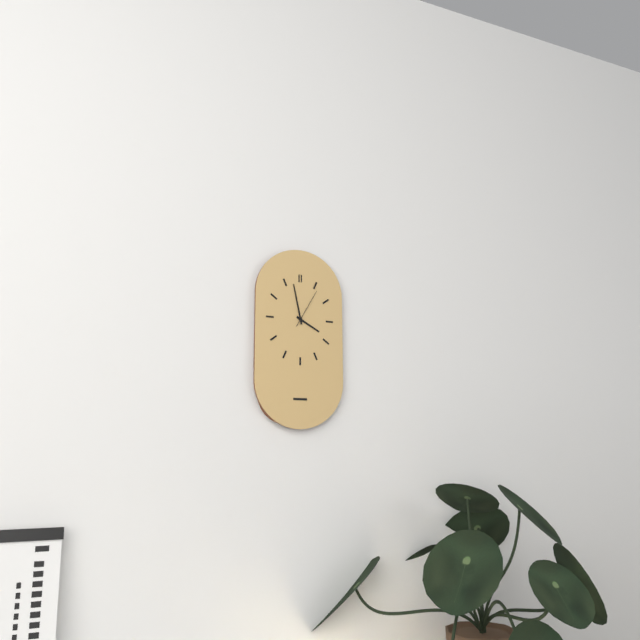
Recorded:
3.58
